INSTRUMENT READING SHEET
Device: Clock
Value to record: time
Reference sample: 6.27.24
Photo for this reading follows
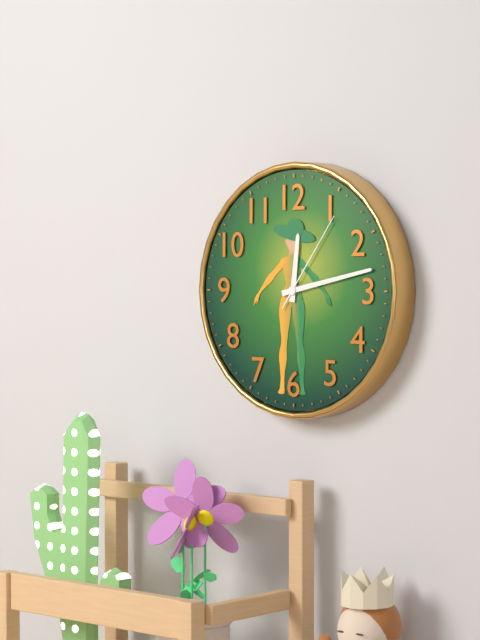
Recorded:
12.13.06
